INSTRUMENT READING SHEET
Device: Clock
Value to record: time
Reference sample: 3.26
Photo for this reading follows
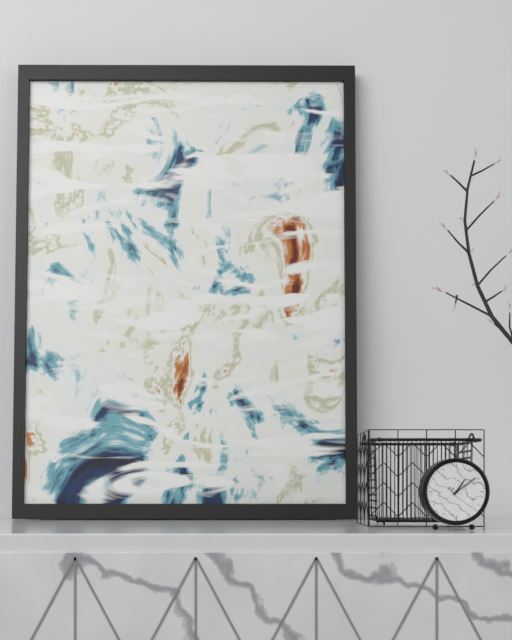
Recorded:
1.09
